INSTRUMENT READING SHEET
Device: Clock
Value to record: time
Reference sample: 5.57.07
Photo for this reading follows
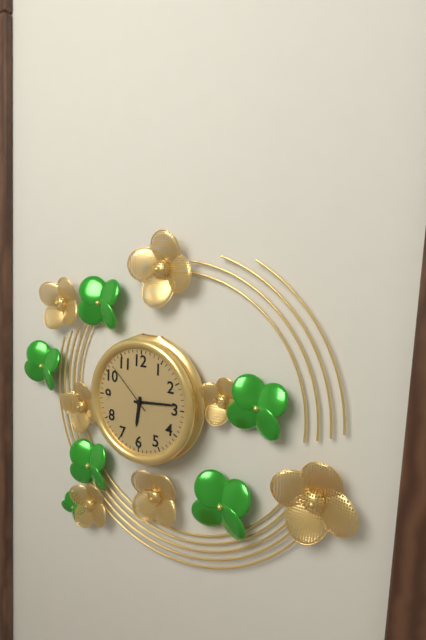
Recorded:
6.14.52
